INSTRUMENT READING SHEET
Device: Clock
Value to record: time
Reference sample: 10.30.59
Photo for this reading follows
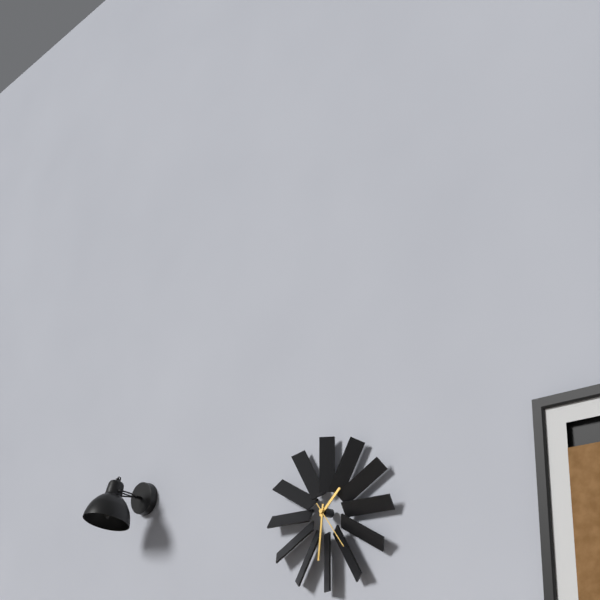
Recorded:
1.31.24
